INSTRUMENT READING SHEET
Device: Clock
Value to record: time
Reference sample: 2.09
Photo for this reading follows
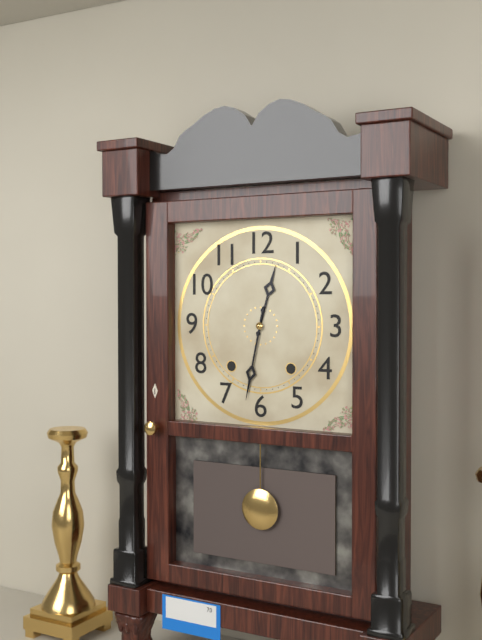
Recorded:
12.32
